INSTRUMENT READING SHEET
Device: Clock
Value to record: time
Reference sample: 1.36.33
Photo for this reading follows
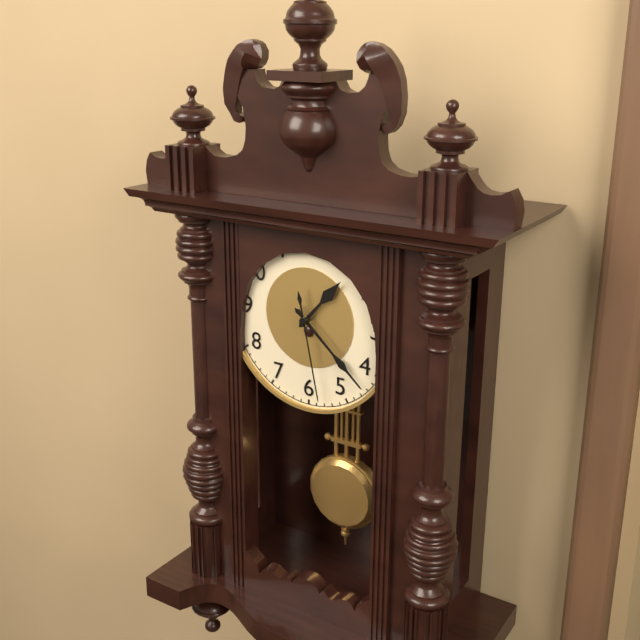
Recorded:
1.22.28
